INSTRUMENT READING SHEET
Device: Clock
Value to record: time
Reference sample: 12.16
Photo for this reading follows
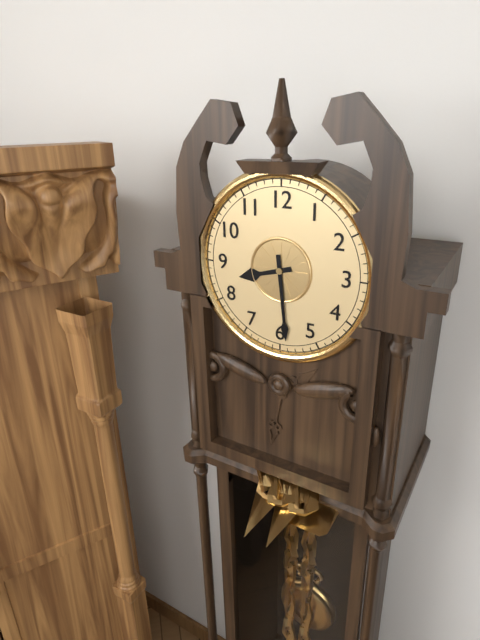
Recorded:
8.29
